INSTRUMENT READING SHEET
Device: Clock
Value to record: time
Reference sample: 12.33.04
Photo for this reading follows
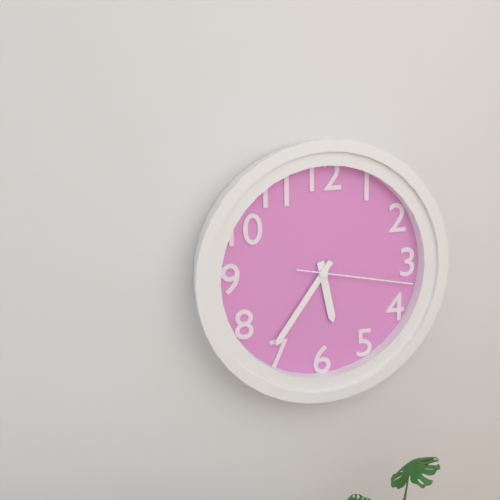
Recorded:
5.36.17
